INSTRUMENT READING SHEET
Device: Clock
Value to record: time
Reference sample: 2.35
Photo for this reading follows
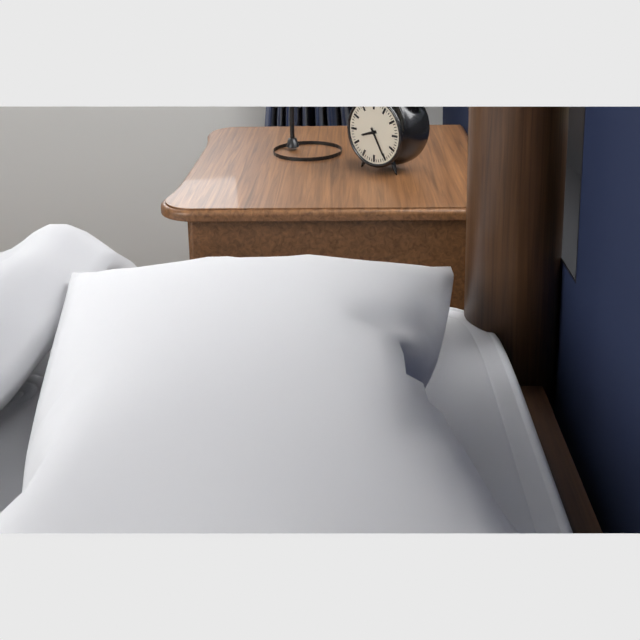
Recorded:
8.25
